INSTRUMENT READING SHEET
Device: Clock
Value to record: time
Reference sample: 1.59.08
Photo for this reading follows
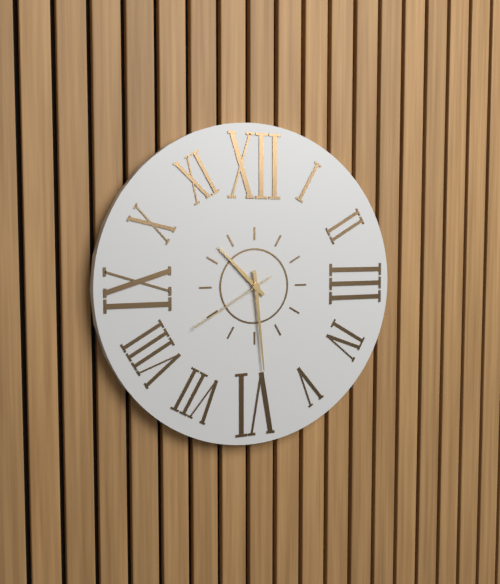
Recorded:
10.29.40
